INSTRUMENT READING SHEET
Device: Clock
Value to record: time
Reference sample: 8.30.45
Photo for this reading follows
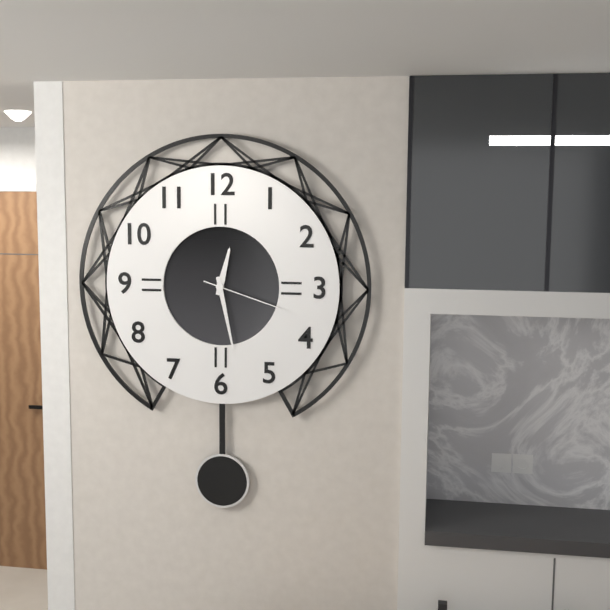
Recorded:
12.28.18
